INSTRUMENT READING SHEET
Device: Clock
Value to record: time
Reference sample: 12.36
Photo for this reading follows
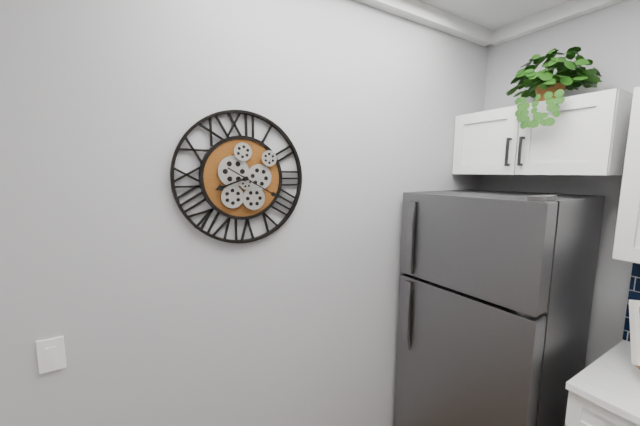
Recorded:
8.20
